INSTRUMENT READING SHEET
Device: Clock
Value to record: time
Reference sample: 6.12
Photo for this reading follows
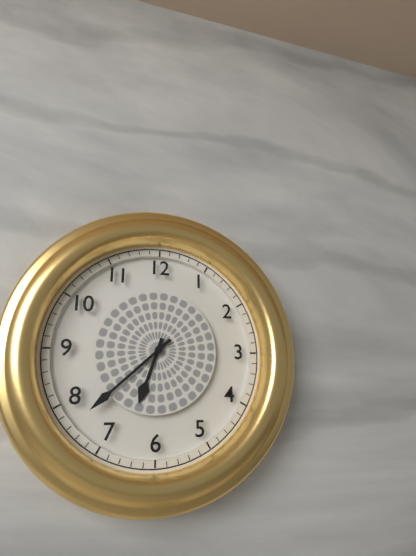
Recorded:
6.38
